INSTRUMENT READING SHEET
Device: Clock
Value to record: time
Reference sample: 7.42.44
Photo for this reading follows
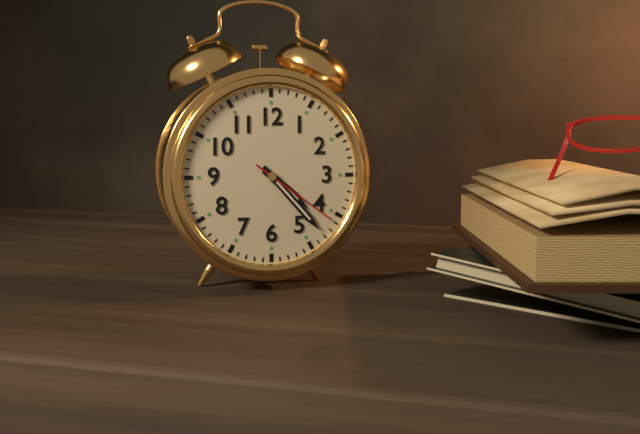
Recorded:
4.23.21
